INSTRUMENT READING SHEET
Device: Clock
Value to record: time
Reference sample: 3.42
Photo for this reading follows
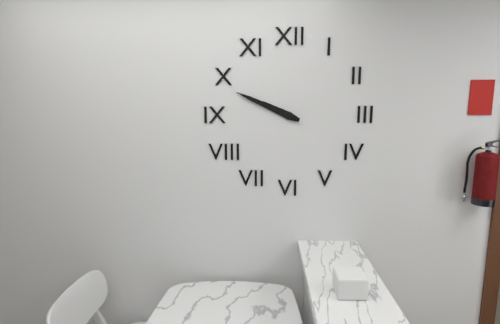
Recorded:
9.49
